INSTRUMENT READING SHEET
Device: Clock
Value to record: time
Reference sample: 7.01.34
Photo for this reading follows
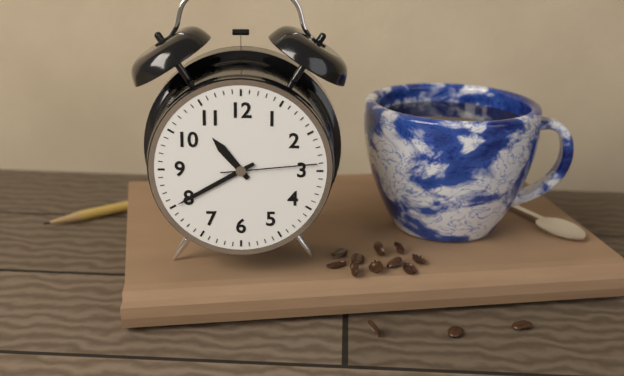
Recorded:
10.40.14
